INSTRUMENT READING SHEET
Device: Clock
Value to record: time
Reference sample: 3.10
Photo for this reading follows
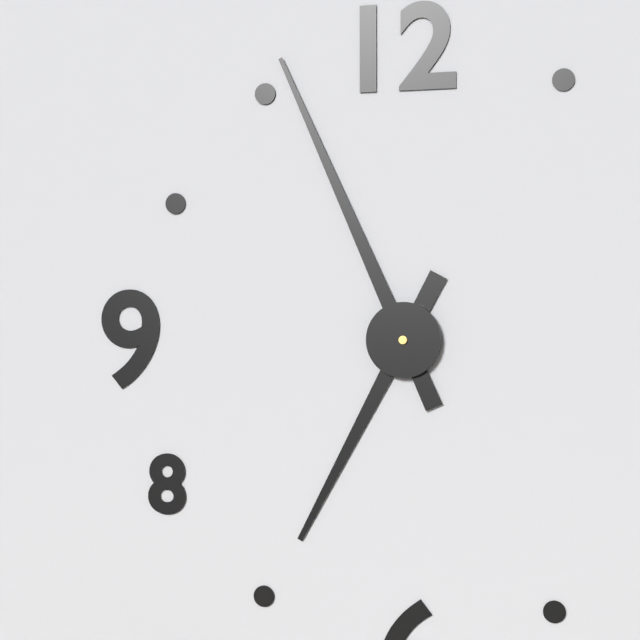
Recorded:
6.56
